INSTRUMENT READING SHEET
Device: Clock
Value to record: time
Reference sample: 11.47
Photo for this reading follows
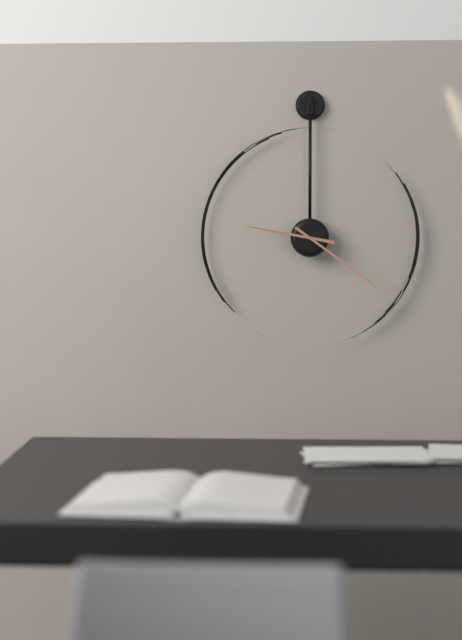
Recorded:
9.21
